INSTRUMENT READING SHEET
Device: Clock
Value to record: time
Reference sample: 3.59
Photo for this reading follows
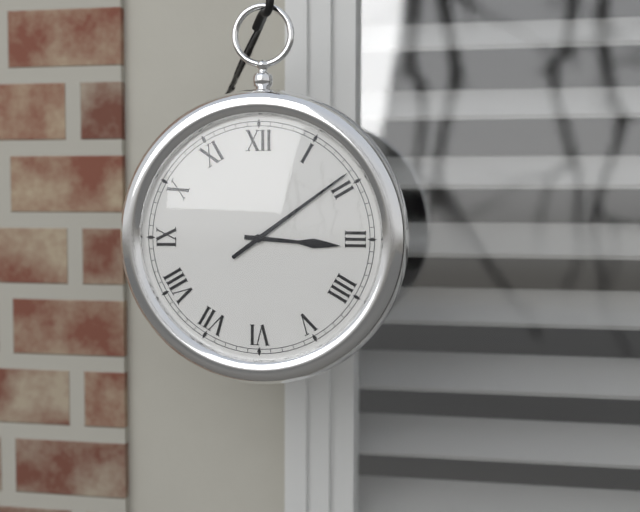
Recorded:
3.09
